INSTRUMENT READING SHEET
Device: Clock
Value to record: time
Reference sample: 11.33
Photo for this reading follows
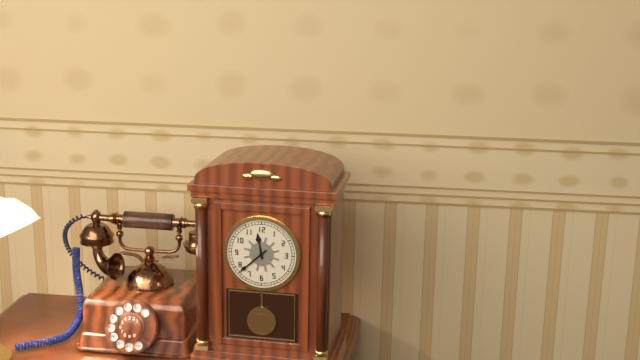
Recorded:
11.38
